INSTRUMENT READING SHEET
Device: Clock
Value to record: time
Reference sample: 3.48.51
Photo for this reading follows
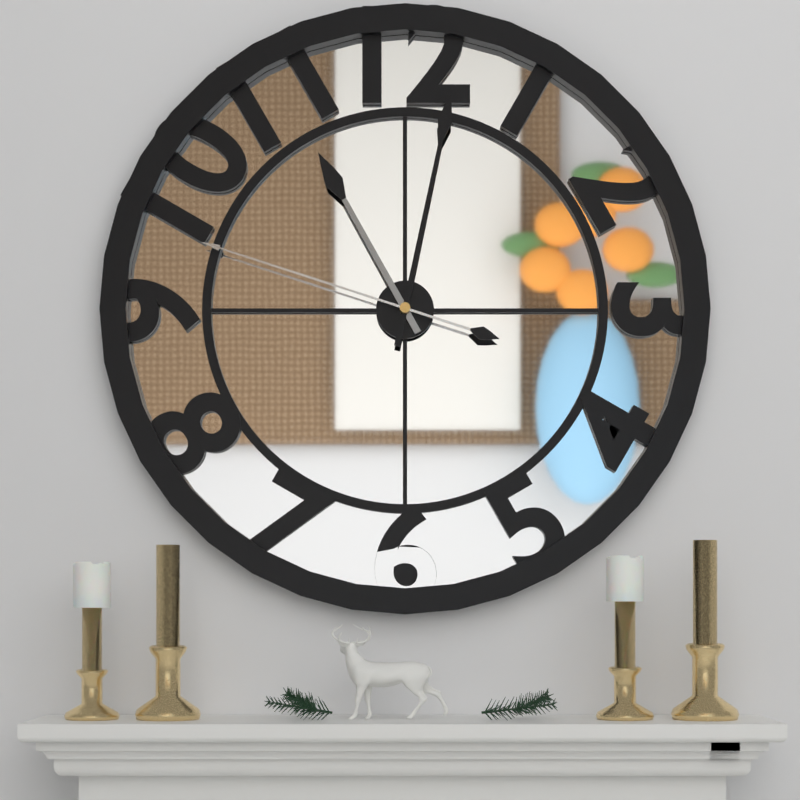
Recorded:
11.02.48
